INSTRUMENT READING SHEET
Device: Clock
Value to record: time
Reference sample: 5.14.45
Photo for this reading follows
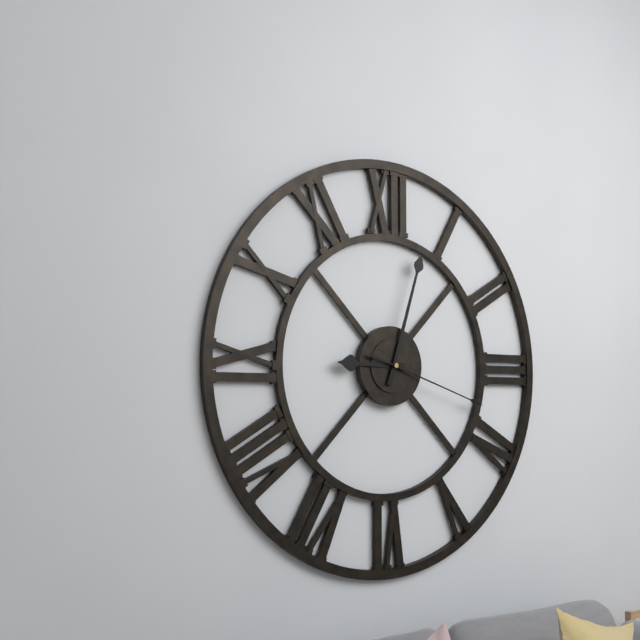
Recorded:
9.03.18
